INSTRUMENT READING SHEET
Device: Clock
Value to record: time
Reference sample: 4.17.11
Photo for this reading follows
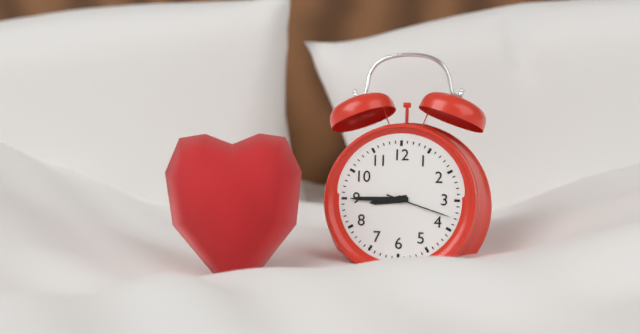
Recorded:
8.45.18
